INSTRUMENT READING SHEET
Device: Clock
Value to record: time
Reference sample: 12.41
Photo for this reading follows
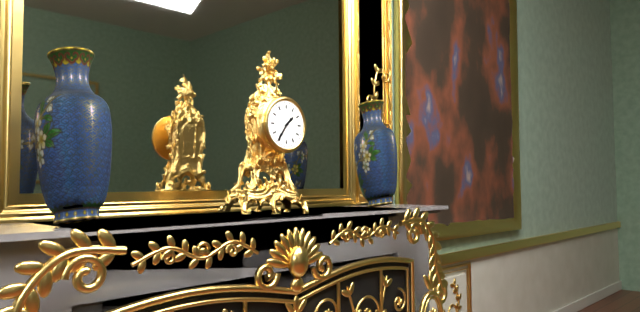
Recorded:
1.36
